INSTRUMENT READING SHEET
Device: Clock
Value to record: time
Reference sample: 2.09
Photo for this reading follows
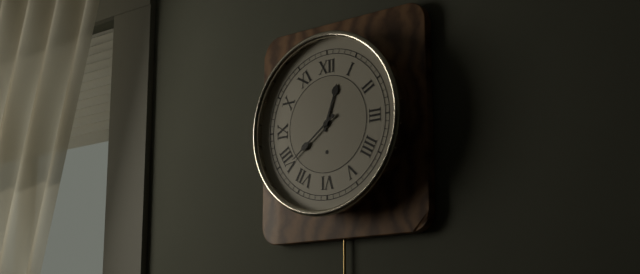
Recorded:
12.39
